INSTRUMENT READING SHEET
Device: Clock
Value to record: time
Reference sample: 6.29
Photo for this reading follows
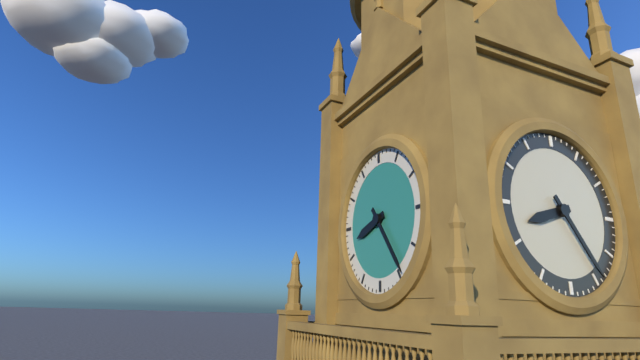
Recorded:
8.24
